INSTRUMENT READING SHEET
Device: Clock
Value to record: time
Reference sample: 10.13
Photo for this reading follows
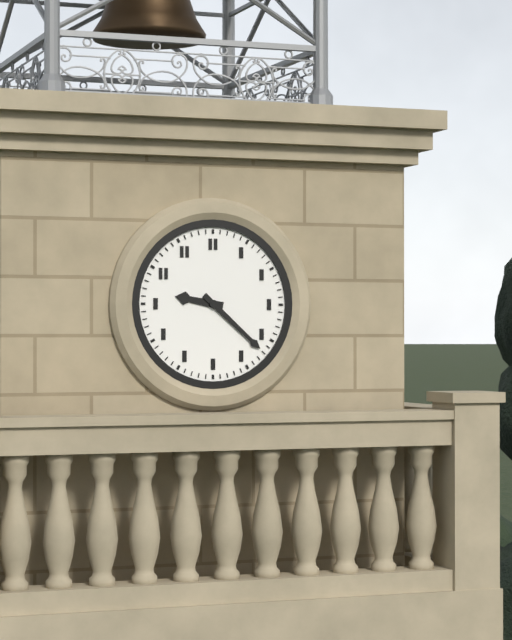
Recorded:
9.22
